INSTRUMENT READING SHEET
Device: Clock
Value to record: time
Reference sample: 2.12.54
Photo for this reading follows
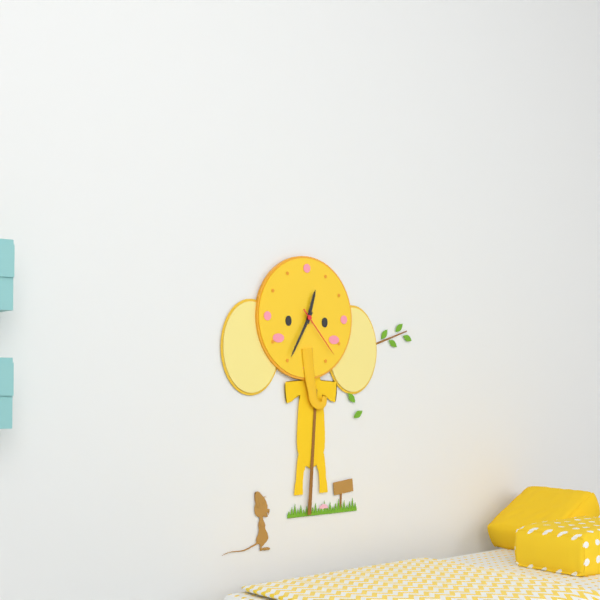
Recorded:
12.35.23
